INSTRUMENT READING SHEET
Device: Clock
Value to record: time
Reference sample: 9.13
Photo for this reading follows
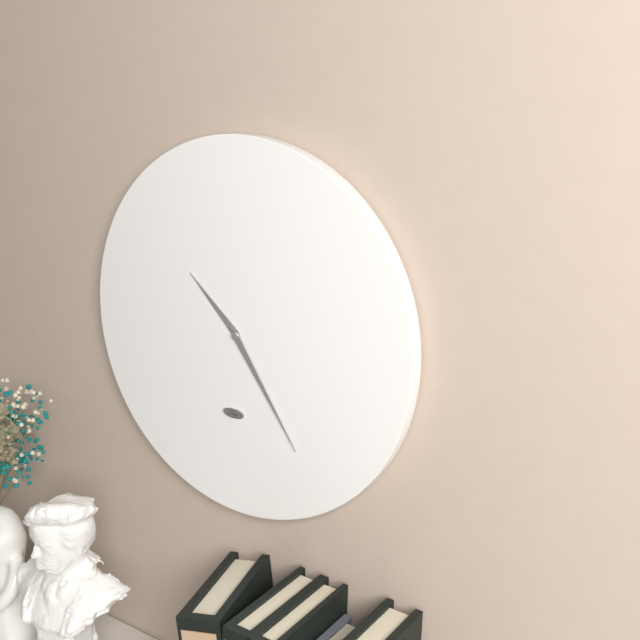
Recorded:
10.24
